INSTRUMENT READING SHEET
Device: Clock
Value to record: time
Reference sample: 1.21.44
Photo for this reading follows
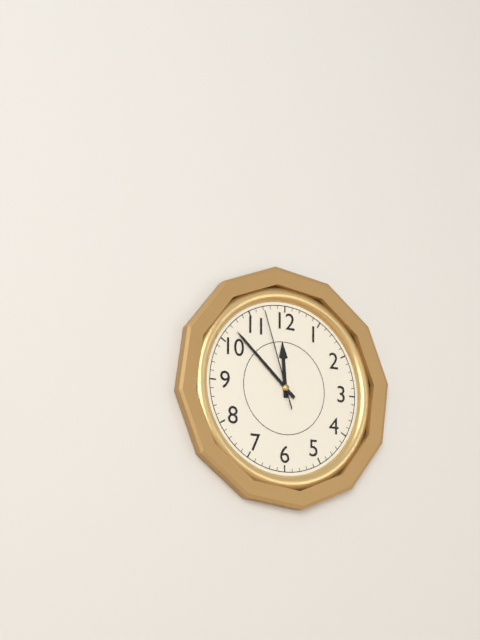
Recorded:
11.52.57
